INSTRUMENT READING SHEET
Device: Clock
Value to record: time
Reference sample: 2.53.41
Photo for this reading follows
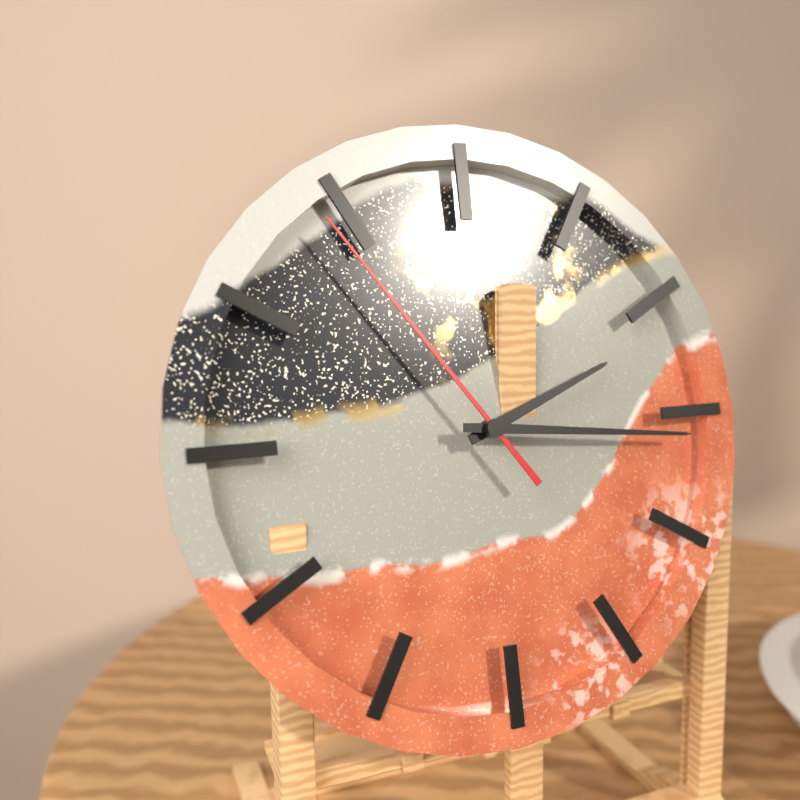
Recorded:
2.16.54
